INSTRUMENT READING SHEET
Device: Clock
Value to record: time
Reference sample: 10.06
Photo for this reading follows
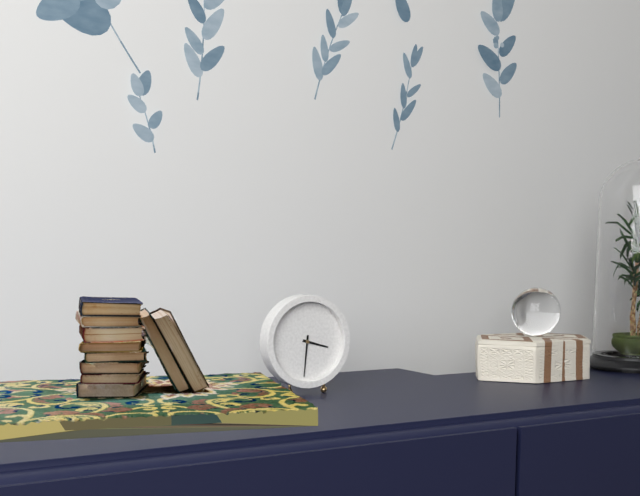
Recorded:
3.31
